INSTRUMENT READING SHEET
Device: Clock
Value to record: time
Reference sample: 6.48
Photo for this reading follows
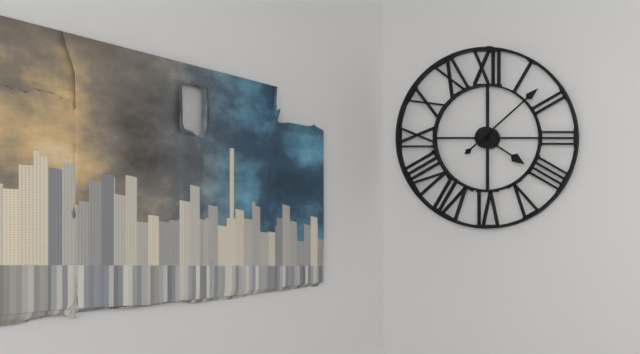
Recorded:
4.08
